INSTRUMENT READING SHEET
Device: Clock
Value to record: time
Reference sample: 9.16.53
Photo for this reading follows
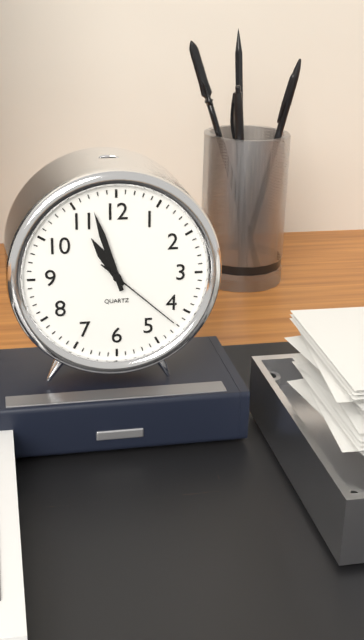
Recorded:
10.57.22
